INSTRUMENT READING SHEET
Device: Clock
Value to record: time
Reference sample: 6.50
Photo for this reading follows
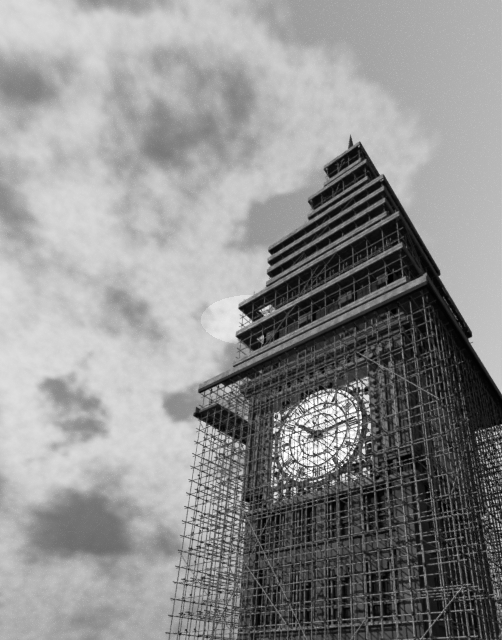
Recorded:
10.14
